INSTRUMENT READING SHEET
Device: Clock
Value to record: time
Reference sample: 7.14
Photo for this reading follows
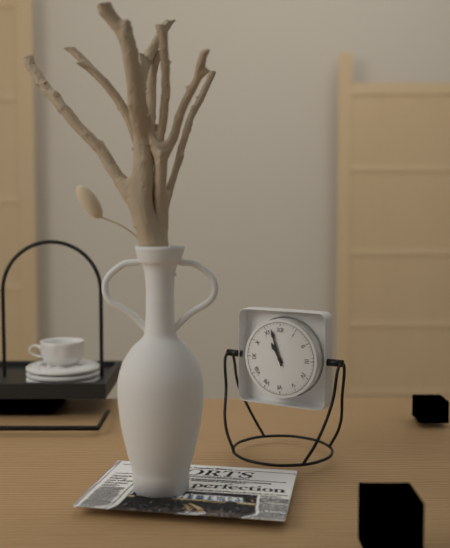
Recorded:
10.57
